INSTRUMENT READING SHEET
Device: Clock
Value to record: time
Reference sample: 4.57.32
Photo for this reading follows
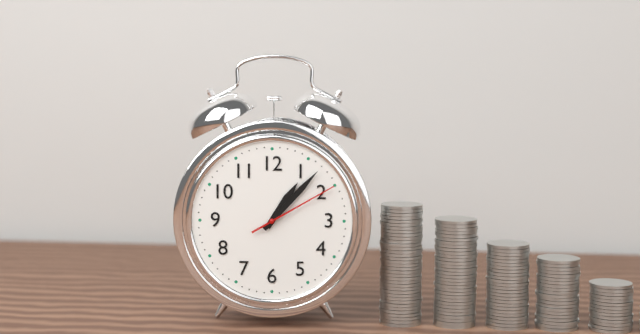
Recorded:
1.07.10
